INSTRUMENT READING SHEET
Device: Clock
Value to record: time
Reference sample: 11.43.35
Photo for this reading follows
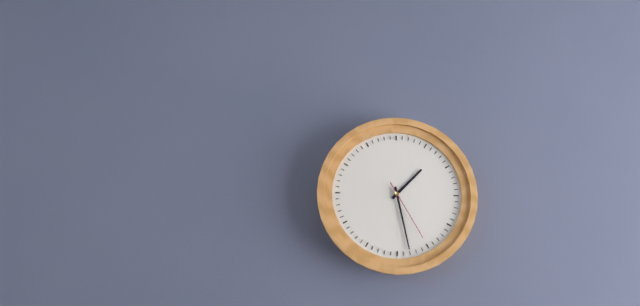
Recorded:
1.28.25
